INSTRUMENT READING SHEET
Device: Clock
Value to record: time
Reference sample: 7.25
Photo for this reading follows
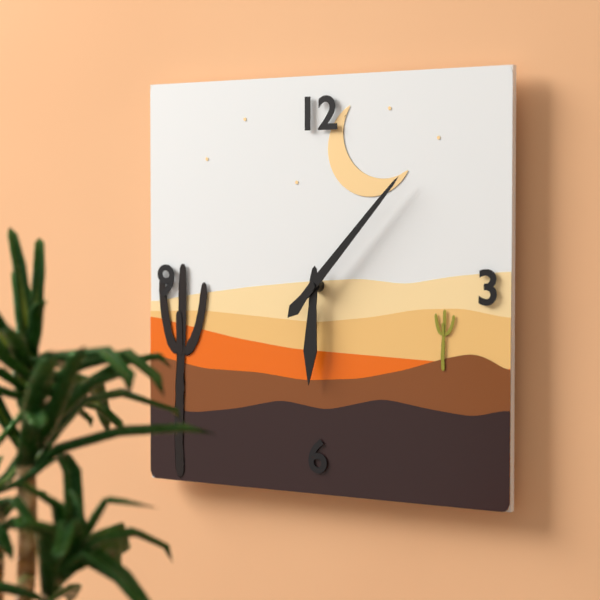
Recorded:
6.07
